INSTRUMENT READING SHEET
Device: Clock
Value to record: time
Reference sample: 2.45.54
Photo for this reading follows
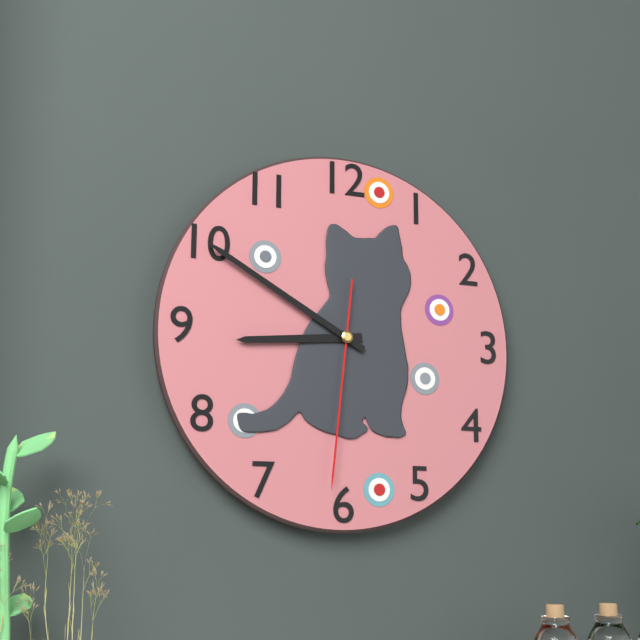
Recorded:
8.50.31
